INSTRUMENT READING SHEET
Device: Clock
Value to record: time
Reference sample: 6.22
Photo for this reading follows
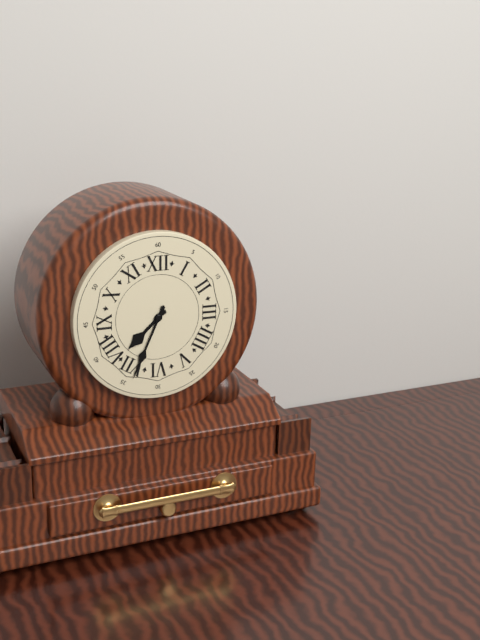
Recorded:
7.34
